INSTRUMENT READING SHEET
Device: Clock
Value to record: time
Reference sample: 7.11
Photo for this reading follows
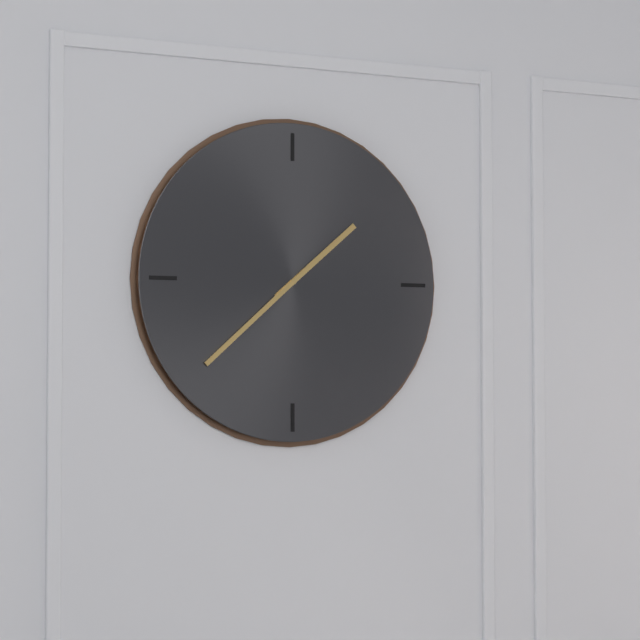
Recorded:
1.38
